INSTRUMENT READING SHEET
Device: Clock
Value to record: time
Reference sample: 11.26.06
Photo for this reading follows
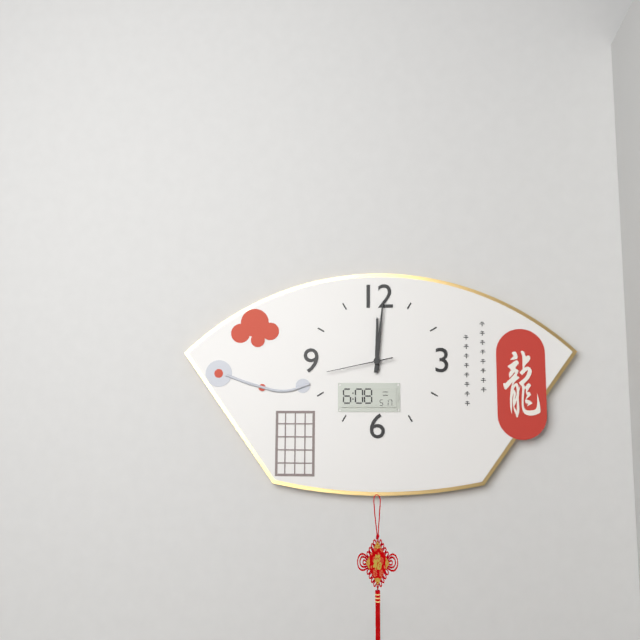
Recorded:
12.01.43
